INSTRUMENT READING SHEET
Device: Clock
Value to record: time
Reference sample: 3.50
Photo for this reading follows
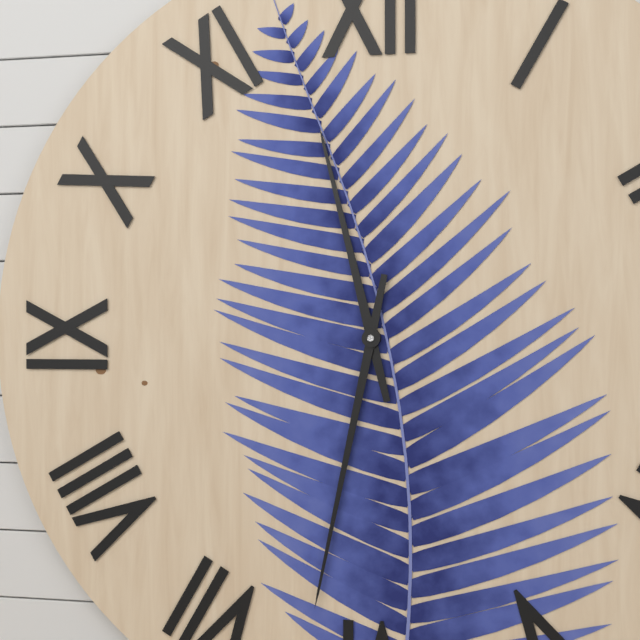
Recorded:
11.32
